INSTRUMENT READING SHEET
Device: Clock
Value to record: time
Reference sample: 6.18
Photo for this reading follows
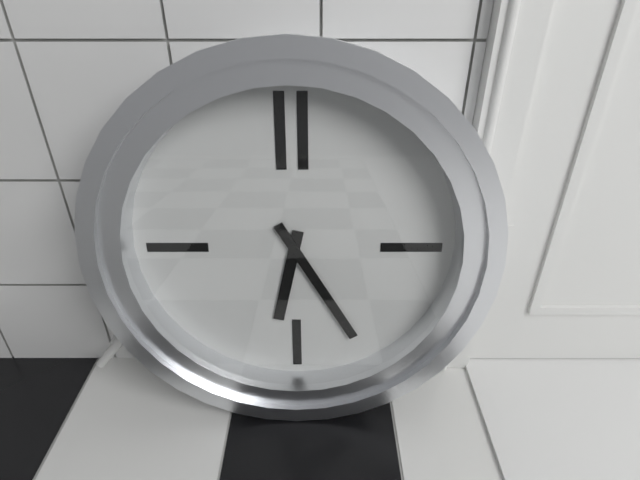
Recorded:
6.25
